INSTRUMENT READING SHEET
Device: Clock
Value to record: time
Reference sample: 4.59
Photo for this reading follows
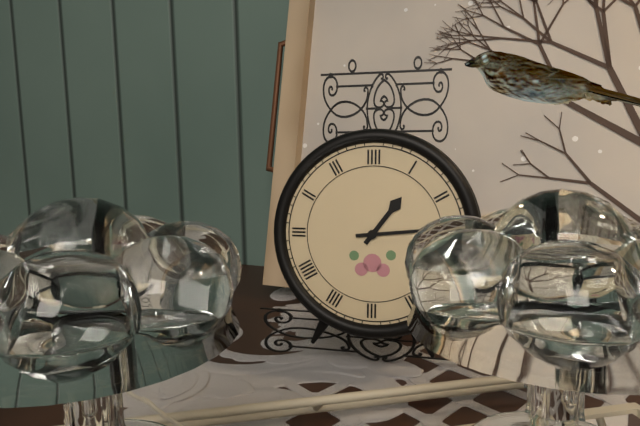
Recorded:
1.14
